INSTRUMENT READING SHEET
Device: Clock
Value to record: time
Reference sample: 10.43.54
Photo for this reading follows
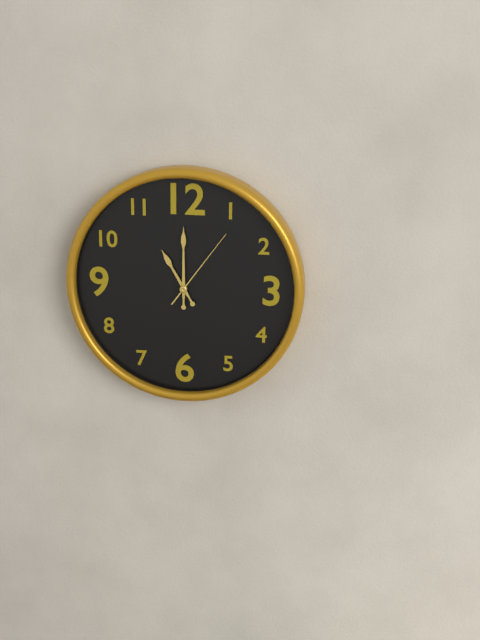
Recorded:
11.00.06
